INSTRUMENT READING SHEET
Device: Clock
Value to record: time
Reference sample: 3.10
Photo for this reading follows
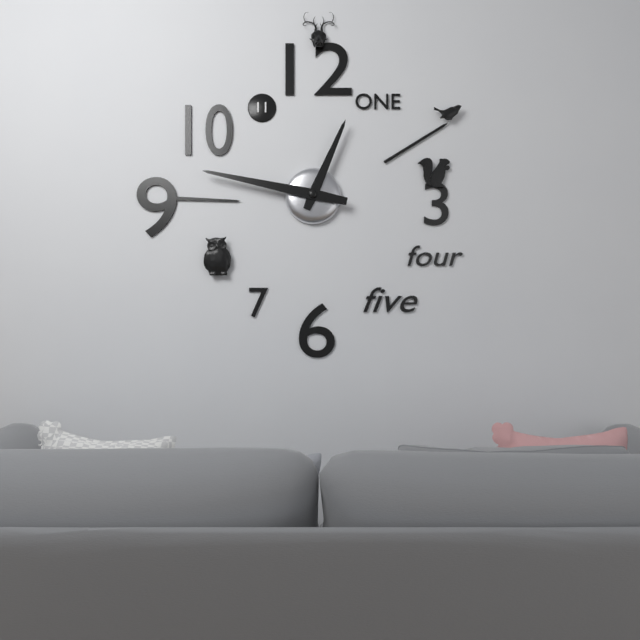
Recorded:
12.47
